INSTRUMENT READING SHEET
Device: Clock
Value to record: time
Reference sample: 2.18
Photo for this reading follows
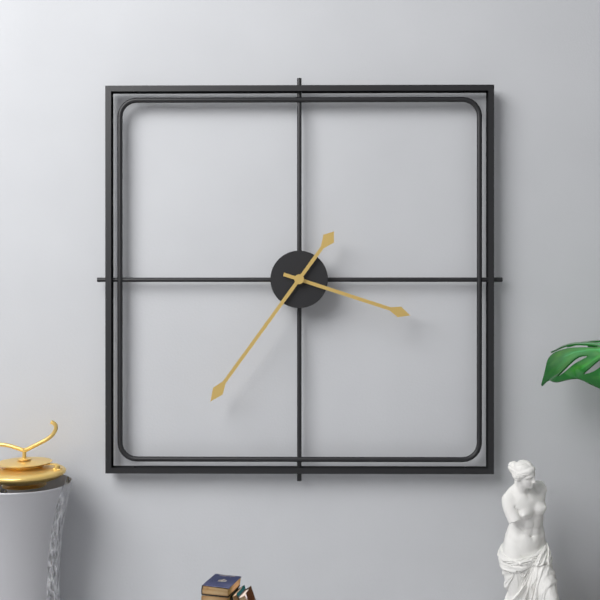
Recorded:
3.36
